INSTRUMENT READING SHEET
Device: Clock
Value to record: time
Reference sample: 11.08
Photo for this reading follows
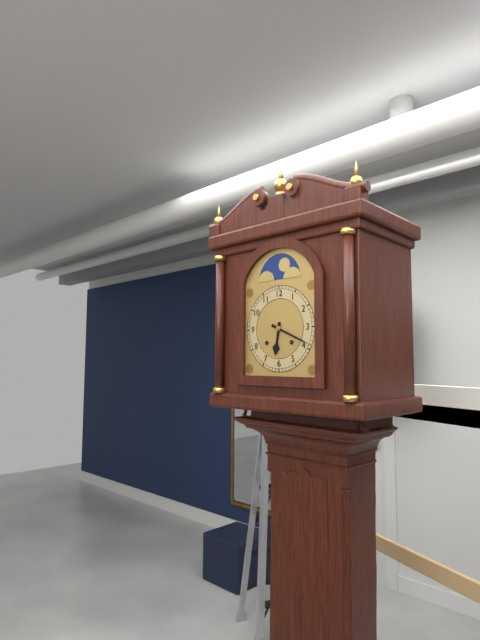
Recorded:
6.19
